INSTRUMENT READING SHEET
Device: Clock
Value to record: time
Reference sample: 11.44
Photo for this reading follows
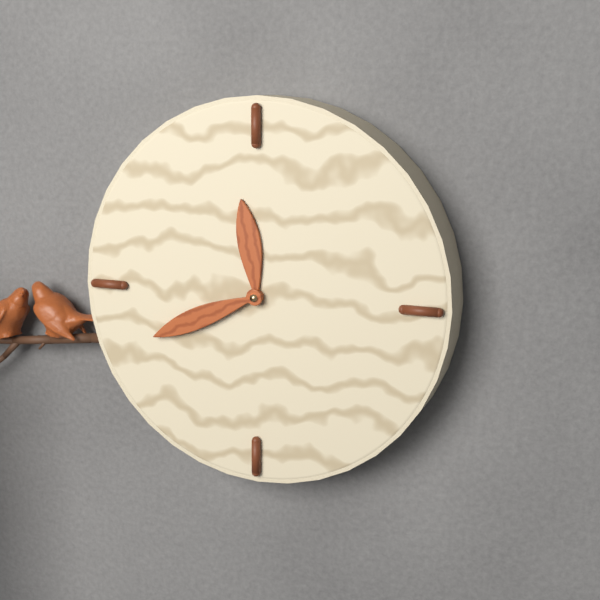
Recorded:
11.41
